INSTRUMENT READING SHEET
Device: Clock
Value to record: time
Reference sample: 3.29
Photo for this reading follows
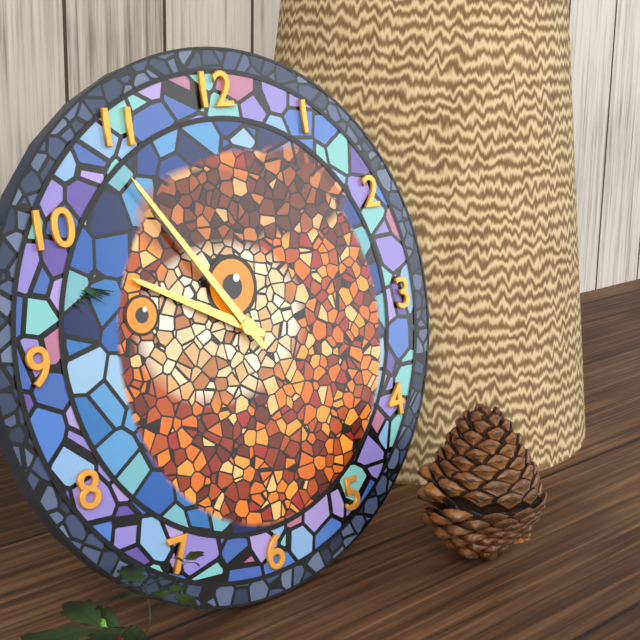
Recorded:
9.54
